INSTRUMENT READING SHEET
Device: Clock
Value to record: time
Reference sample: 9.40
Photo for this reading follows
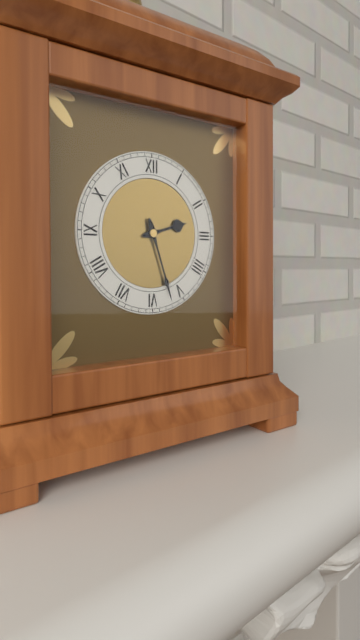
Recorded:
2.27
